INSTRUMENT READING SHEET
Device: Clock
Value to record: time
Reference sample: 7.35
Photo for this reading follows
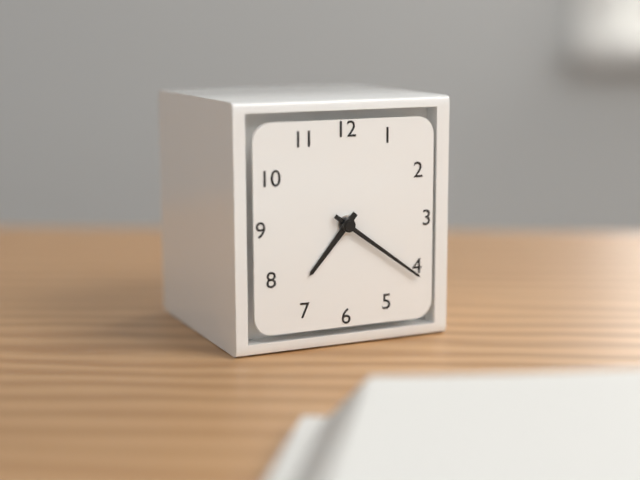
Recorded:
7.21
